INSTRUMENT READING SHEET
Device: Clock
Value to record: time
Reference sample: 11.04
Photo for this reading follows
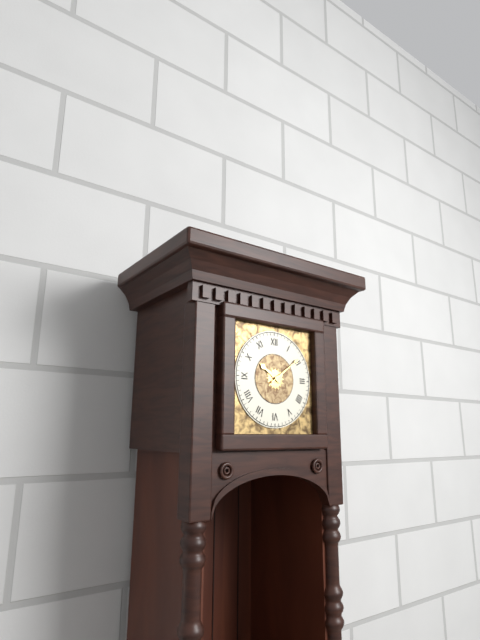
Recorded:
10.09
